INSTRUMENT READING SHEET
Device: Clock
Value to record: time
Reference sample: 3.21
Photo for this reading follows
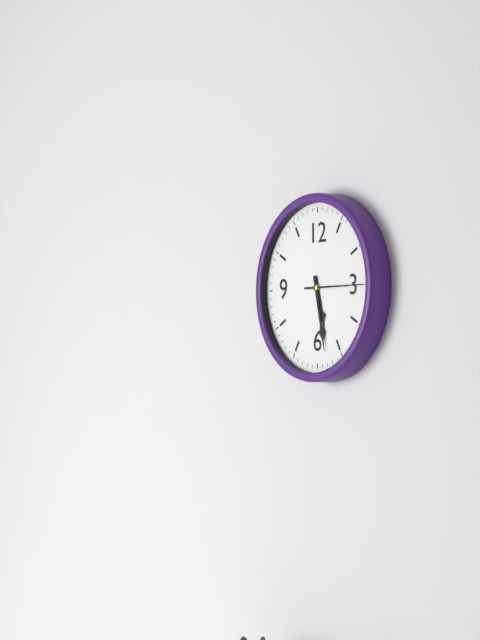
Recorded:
5.28
